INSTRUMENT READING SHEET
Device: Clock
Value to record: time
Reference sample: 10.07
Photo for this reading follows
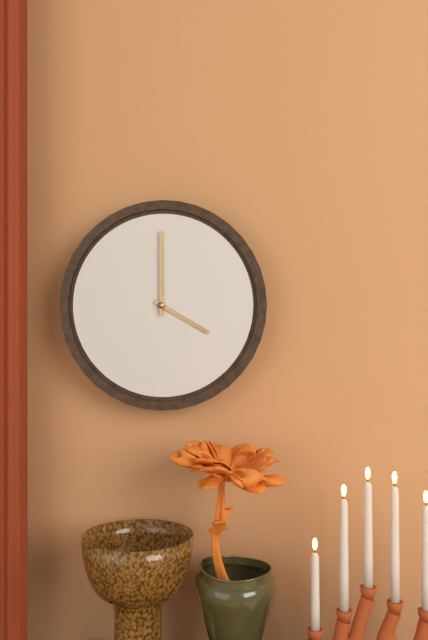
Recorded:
4.00
